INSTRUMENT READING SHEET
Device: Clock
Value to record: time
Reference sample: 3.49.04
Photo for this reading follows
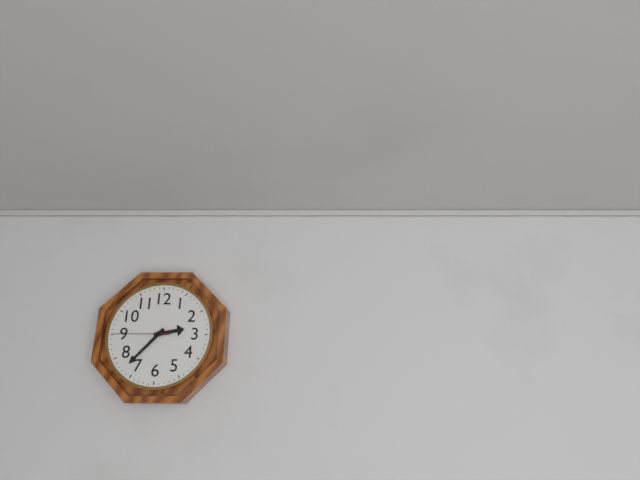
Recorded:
2.37.45
